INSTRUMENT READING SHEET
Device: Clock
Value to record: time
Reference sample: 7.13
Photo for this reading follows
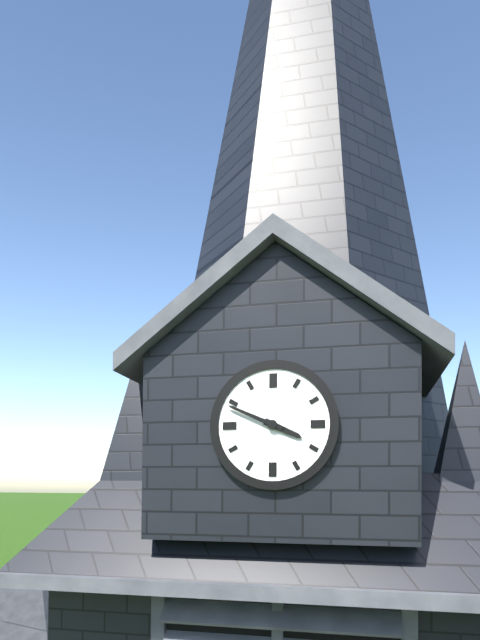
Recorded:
3.49
